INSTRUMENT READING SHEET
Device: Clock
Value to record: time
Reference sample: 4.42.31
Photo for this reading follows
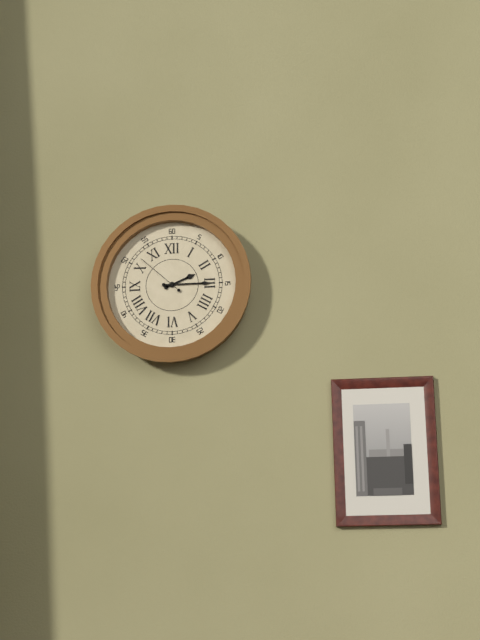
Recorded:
2.15.52
